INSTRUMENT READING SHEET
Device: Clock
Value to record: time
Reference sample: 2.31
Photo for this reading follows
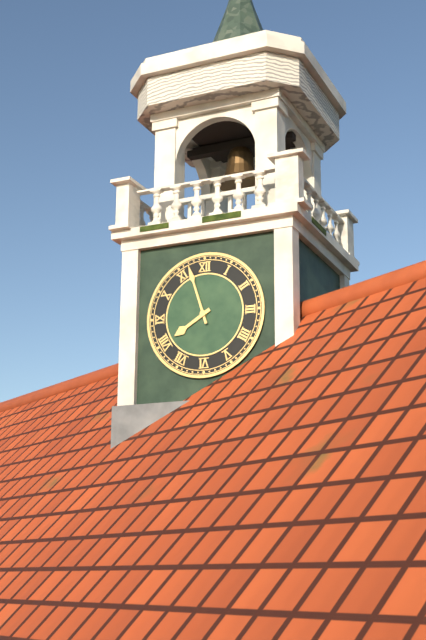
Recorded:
7.57
